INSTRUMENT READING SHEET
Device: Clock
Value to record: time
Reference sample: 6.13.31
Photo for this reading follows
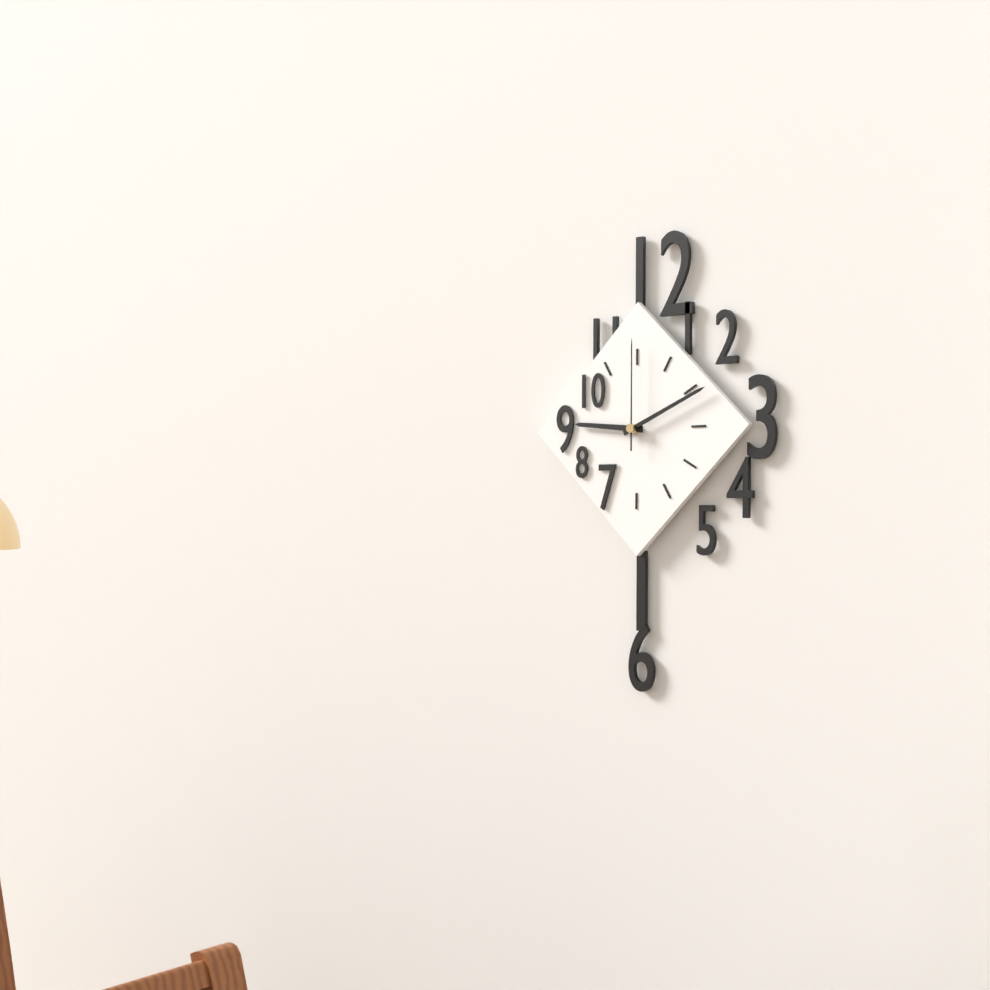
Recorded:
9.11.00
